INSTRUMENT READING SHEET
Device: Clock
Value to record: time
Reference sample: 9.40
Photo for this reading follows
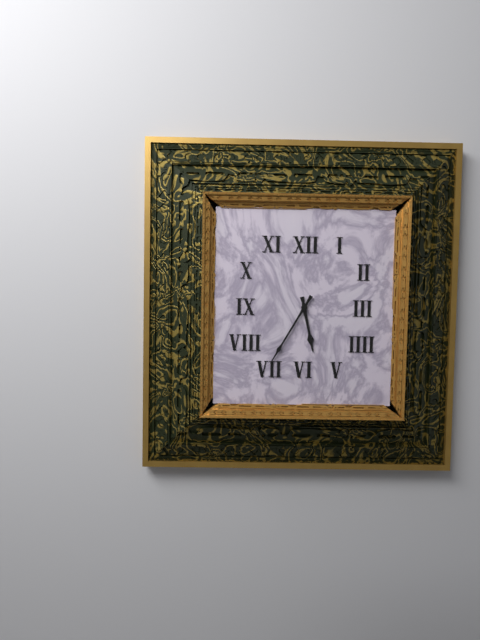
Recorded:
5.35
